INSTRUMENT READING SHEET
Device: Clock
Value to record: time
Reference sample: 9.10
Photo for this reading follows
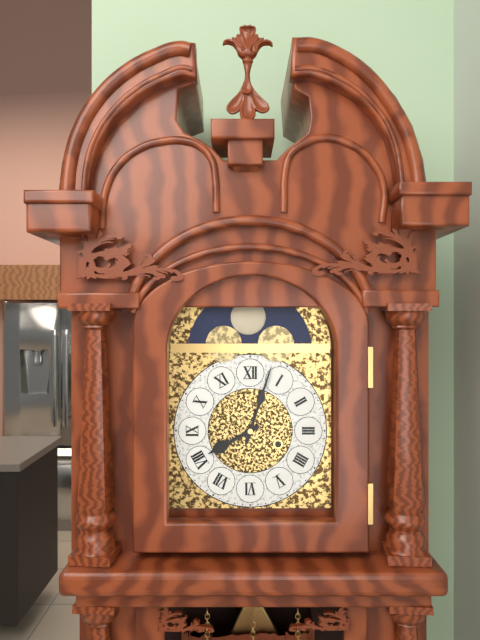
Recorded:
8.03
